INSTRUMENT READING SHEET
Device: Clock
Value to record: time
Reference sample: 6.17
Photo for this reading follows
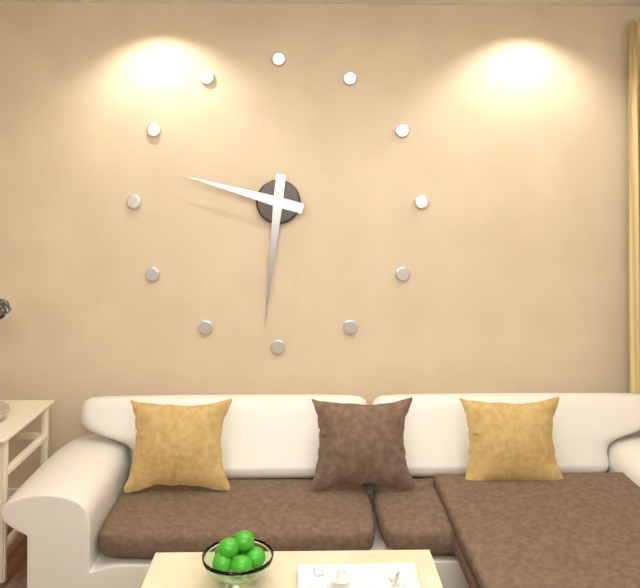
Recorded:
9.31
